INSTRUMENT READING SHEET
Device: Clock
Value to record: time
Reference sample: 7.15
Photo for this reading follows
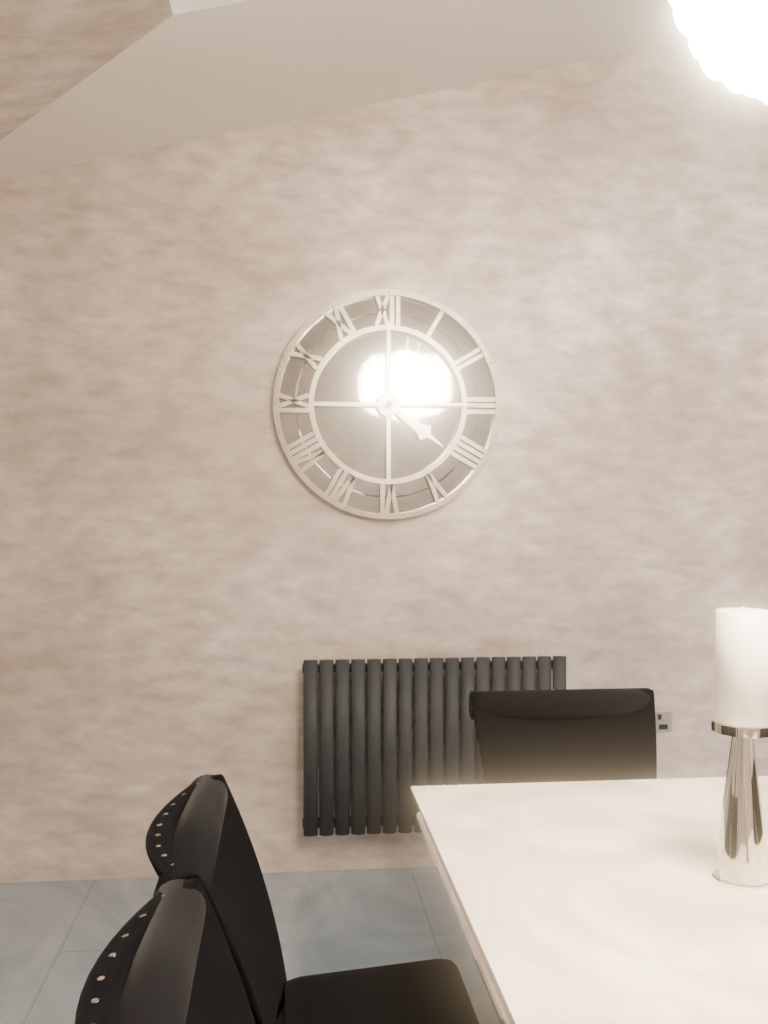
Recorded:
4.15
